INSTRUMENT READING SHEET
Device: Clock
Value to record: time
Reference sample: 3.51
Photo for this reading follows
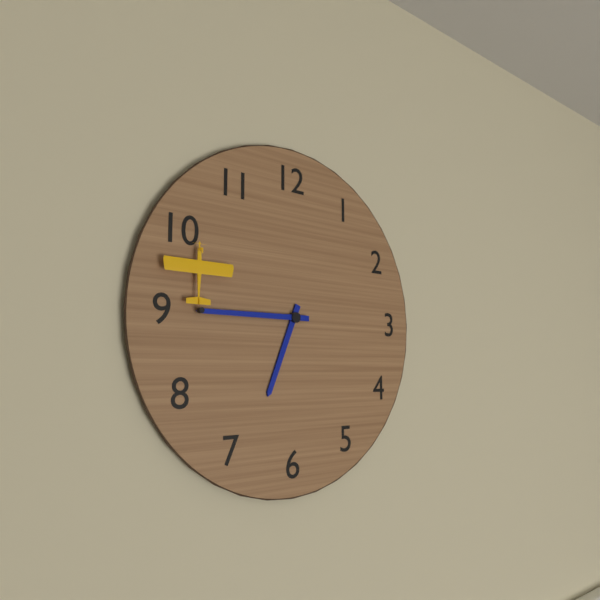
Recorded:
6.45
